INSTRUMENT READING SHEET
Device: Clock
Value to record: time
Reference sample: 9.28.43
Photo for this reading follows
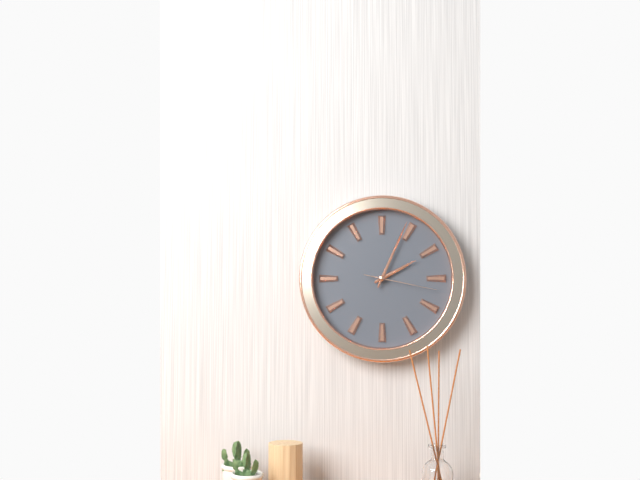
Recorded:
2.04.17
